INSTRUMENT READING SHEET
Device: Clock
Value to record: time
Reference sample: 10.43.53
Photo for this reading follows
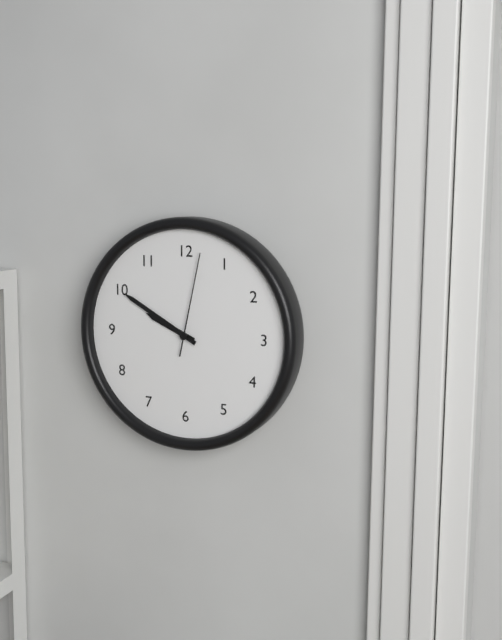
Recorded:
9.50.02
